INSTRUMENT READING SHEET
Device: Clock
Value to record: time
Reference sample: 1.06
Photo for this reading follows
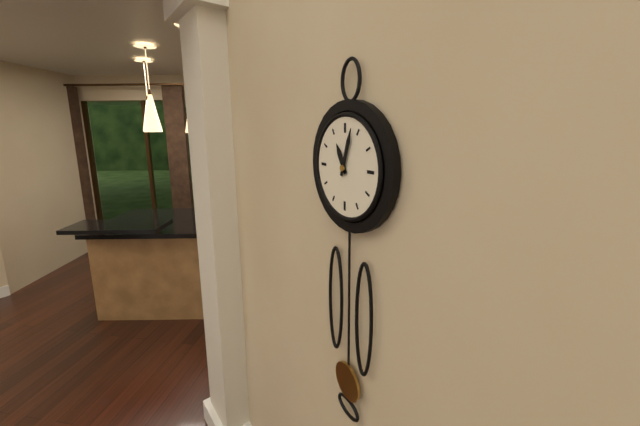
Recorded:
11.03
